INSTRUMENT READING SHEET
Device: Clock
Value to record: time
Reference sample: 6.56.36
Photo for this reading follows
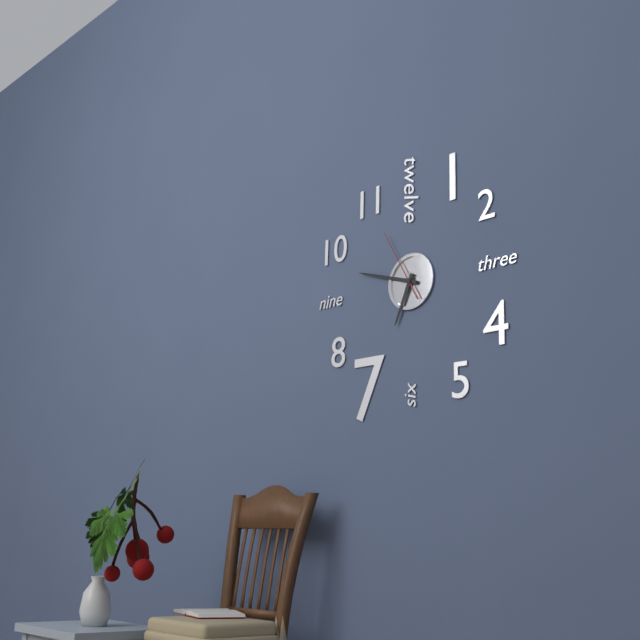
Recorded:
6.48.55
